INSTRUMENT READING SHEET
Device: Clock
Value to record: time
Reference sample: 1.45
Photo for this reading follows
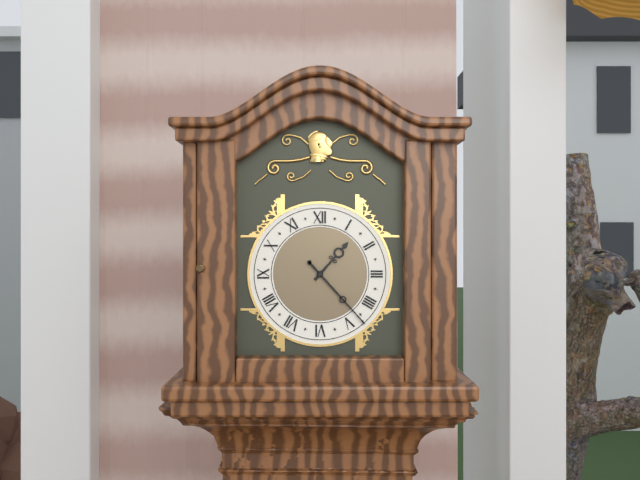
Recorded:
1.23
